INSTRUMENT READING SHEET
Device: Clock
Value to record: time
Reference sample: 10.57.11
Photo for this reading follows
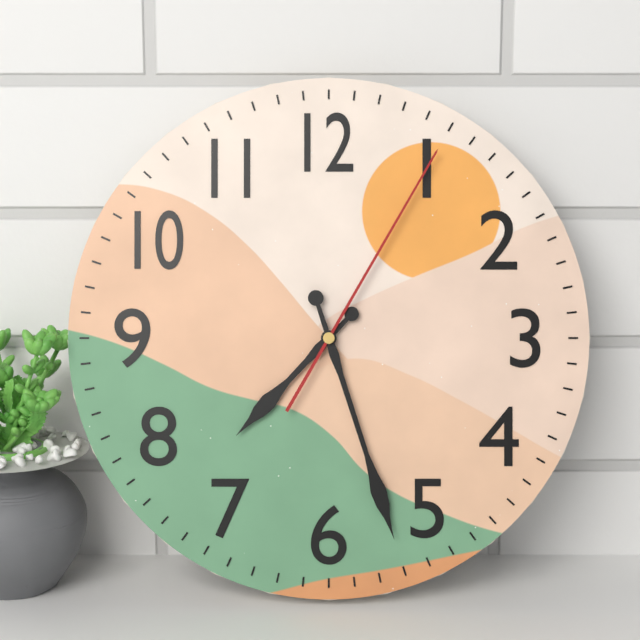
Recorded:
7.27.05
